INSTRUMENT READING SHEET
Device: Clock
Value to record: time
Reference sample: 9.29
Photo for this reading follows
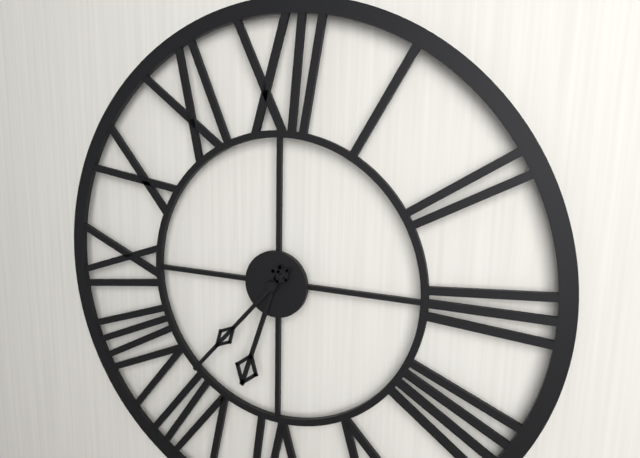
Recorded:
6.37
